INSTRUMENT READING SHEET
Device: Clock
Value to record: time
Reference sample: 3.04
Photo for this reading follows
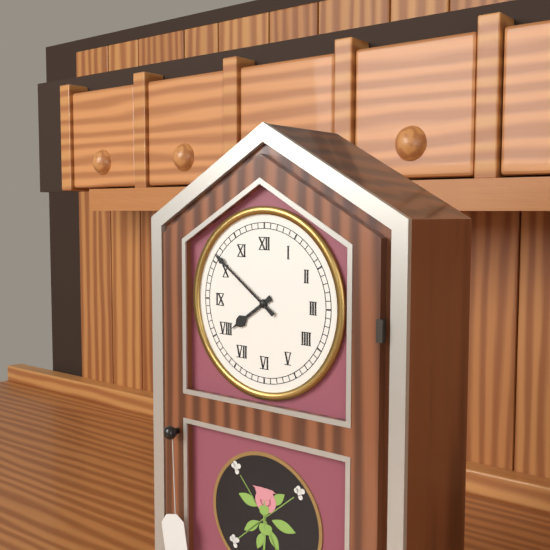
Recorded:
7.51
